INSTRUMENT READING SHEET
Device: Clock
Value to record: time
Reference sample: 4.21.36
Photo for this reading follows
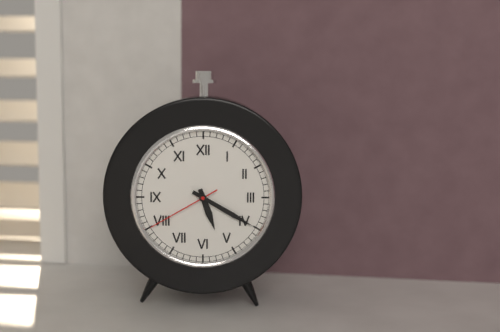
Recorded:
5.20.40
